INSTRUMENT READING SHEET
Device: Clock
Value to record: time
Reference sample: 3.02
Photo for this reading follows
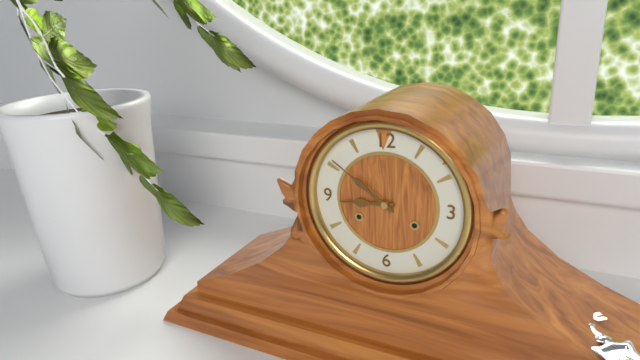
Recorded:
8.51
